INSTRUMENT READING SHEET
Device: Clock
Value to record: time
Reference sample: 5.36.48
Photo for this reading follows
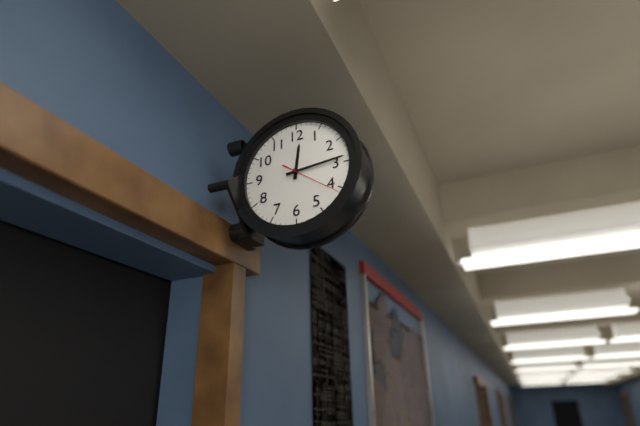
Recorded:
12.14.21
